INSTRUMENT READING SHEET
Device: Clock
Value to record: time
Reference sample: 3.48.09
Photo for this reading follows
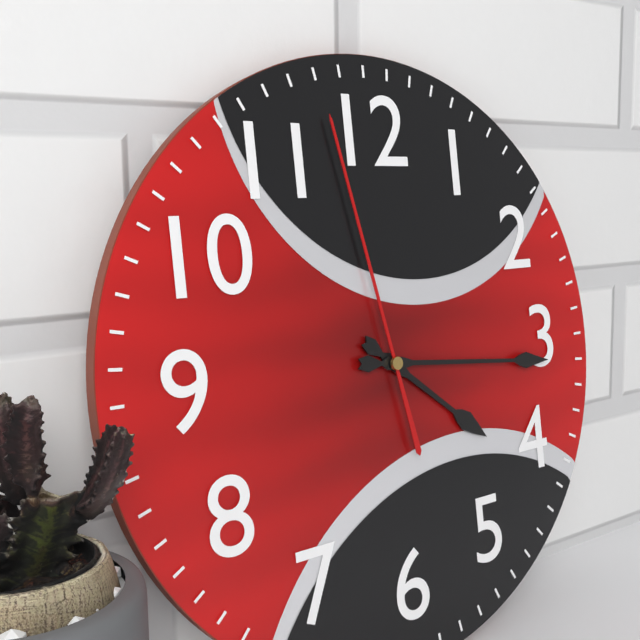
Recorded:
4.16.58
